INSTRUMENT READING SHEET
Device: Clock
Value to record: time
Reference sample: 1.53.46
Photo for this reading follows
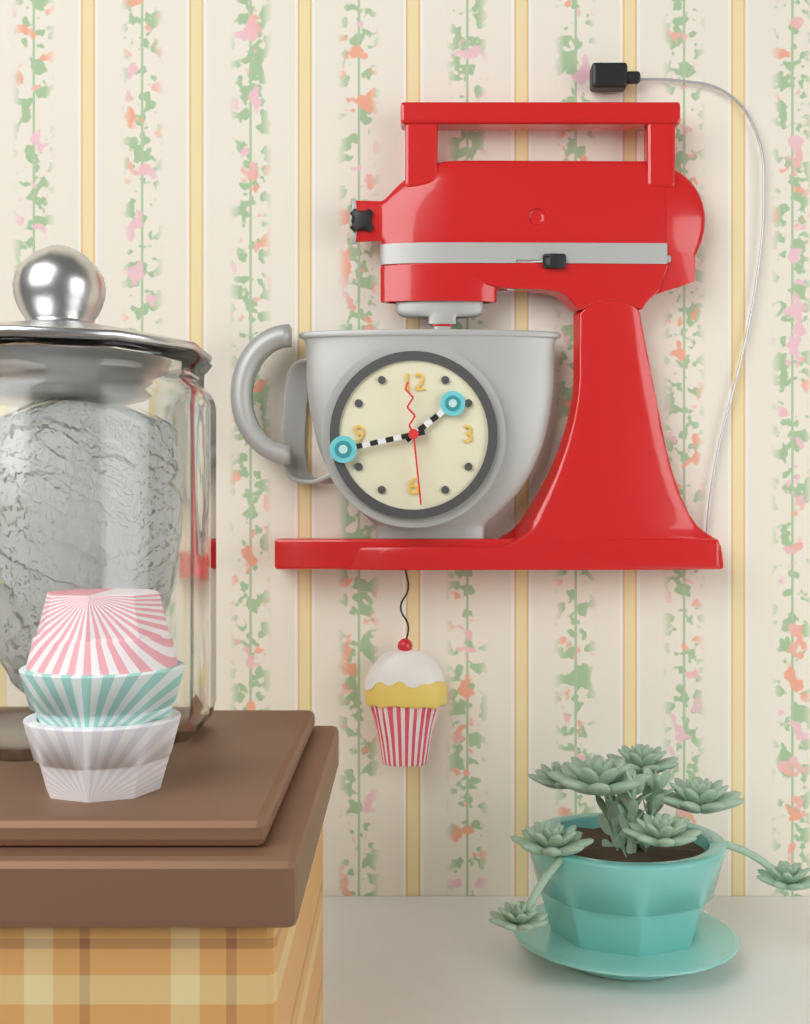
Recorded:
1.43.29
